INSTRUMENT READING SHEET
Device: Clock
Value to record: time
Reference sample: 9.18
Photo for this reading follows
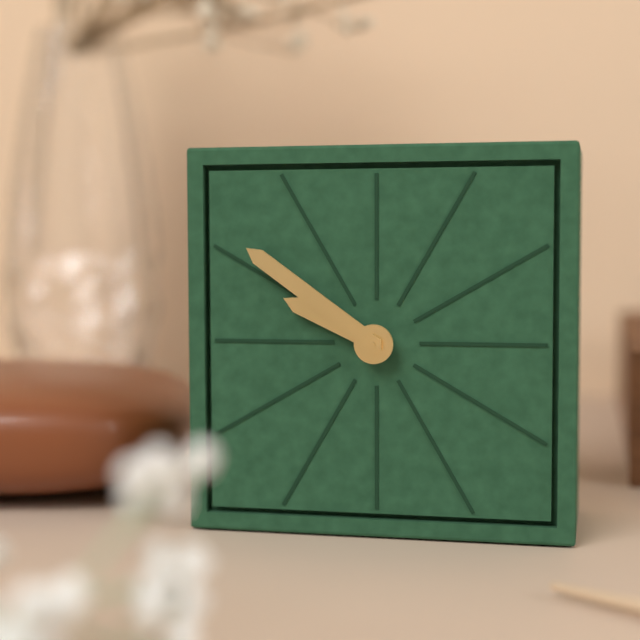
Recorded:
9.51
